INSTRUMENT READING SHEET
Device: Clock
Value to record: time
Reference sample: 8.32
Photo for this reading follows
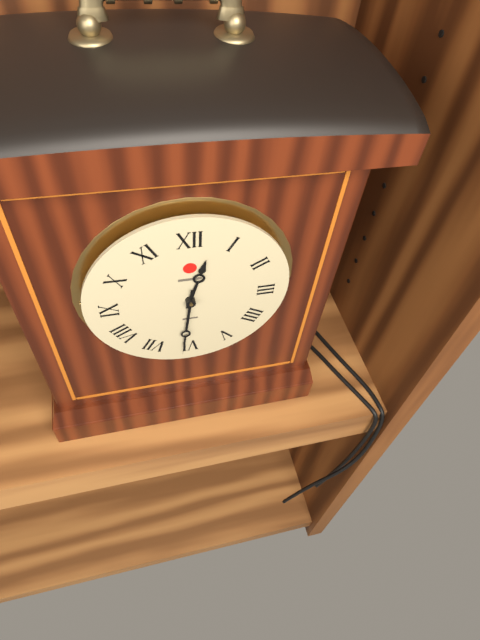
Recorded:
12.31
